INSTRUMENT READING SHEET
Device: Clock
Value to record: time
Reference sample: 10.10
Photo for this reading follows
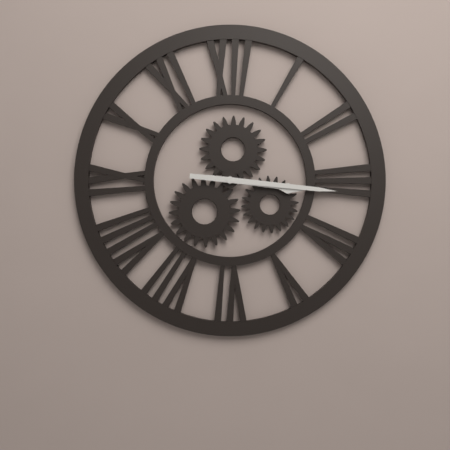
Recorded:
3.16
